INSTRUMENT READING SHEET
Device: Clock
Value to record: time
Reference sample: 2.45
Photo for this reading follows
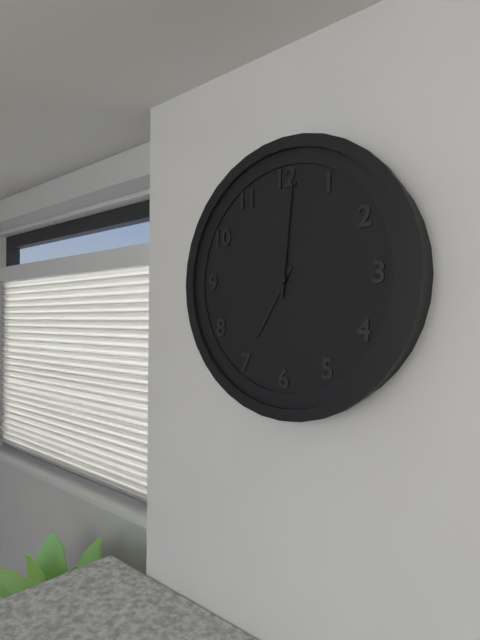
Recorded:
7.01
